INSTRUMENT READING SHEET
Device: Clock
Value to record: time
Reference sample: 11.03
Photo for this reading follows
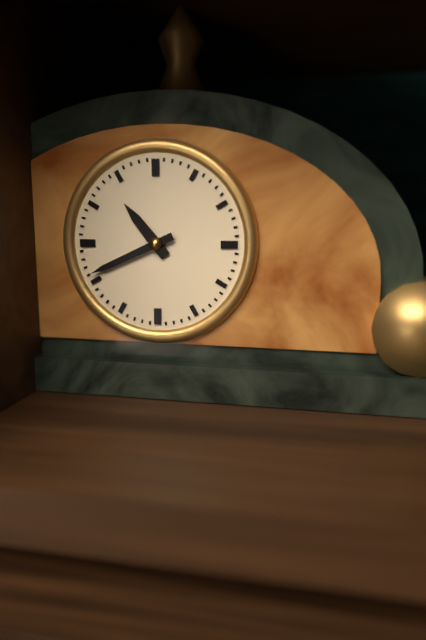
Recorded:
10.41
